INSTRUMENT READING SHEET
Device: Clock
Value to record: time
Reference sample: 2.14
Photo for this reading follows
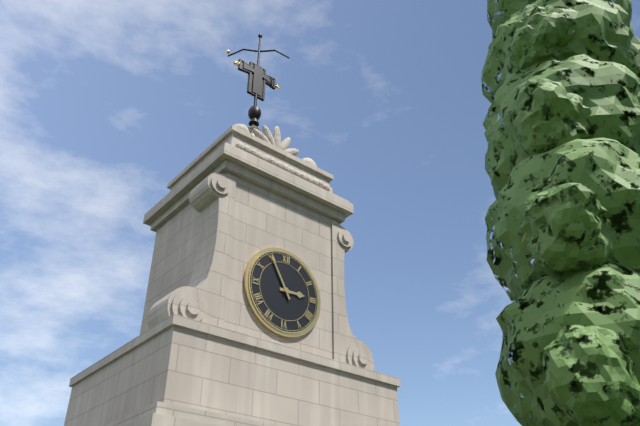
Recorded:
2.55
